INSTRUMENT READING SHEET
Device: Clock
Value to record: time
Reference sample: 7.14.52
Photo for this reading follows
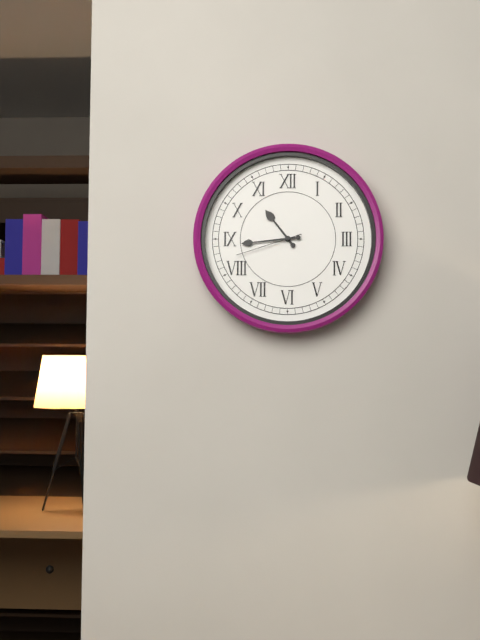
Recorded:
10.44.42
